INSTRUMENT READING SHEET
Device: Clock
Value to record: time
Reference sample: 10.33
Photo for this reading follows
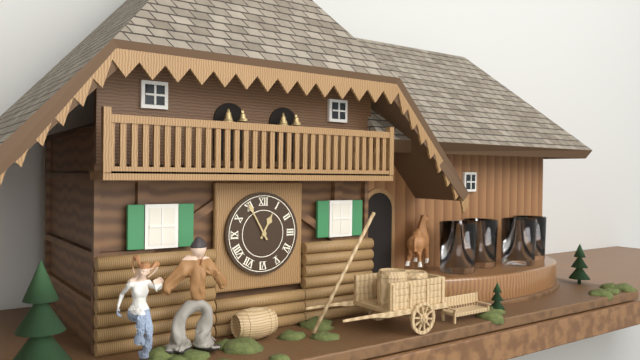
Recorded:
12.55
